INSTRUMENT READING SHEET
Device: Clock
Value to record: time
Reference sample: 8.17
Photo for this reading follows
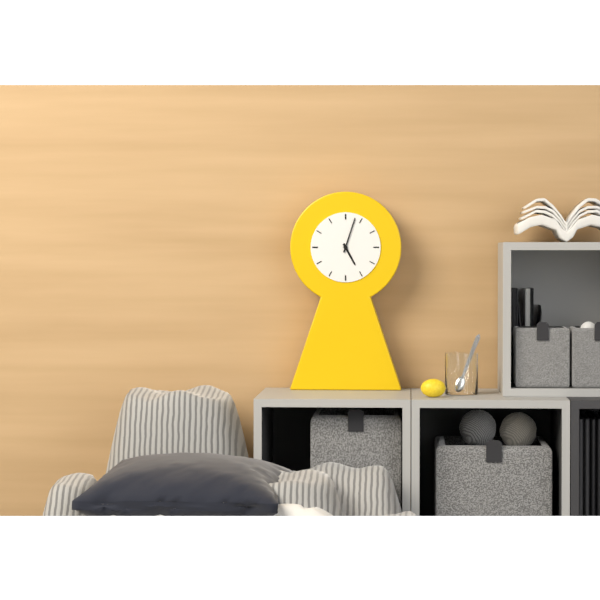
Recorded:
5.03
